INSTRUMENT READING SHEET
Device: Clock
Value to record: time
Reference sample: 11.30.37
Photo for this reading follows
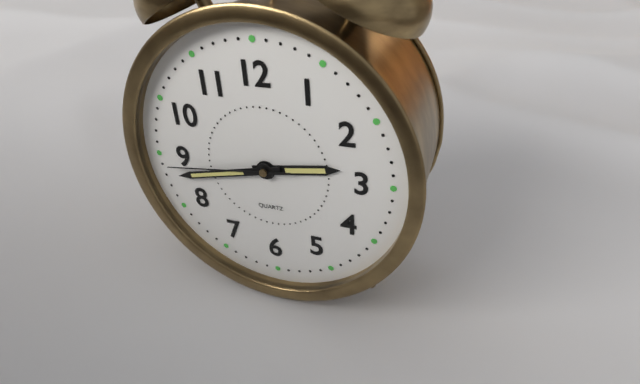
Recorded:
2.43.44
